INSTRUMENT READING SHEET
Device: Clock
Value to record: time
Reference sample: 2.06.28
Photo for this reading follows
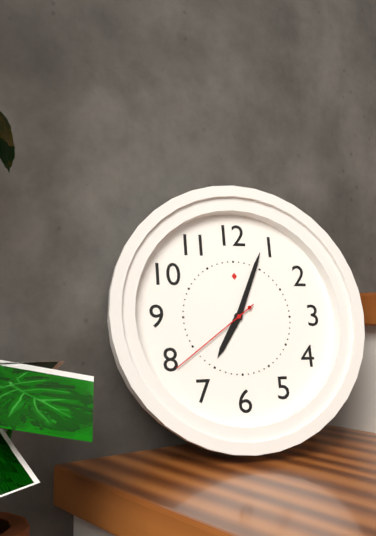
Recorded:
7.04.39
